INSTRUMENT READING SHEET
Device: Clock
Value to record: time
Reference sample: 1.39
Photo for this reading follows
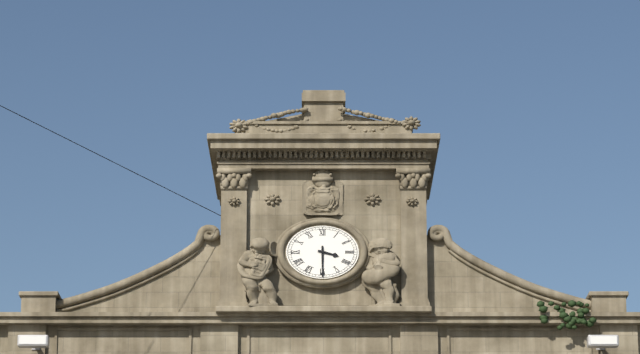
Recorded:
3.30
